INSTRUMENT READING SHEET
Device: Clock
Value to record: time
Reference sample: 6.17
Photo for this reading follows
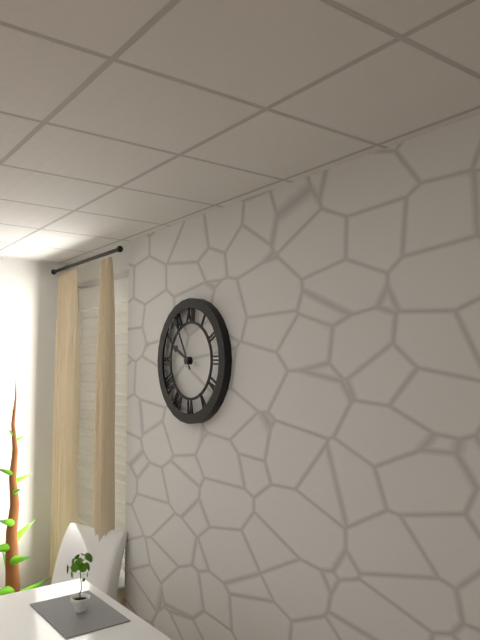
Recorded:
9.55
